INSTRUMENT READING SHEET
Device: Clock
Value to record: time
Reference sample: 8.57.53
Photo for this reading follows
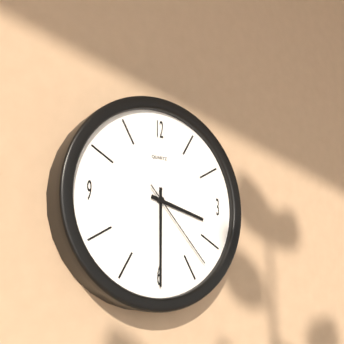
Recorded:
3.30.23
